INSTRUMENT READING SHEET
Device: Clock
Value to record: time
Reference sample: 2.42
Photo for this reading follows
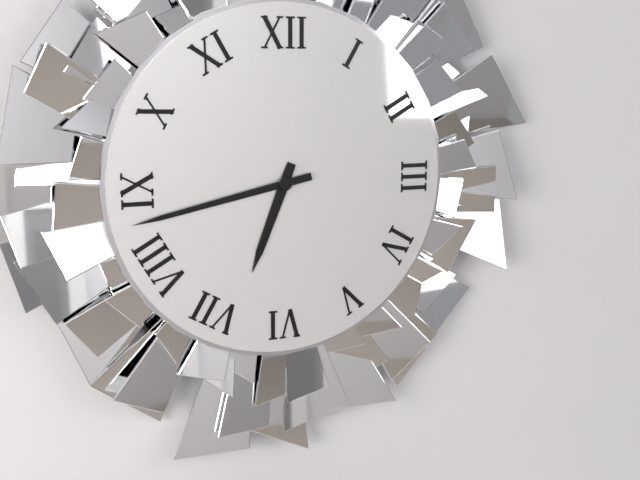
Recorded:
6.43
